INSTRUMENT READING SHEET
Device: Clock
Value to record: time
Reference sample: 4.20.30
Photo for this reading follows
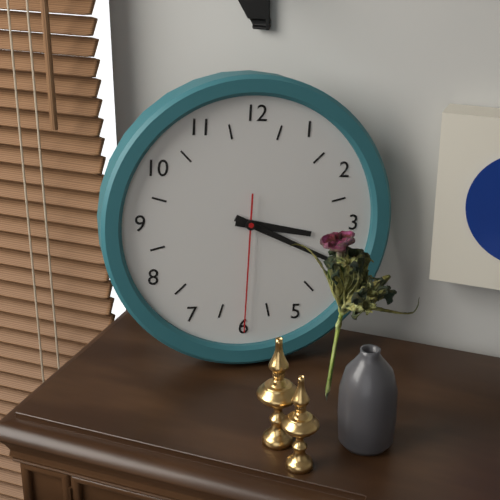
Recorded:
3.19.30
